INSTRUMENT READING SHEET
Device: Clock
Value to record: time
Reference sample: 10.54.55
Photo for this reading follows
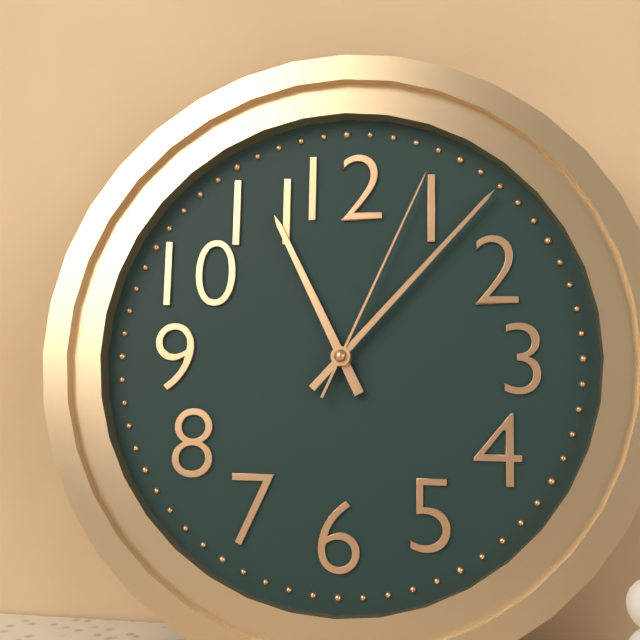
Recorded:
11.07.04
